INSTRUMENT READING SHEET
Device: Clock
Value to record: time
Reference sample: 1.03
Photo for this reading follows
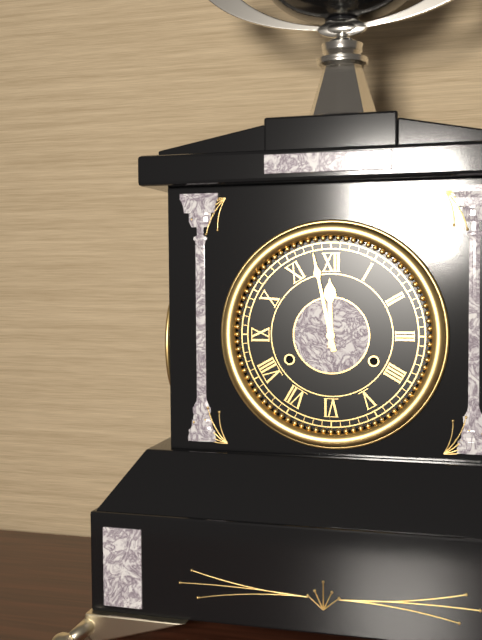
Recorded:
11.58
